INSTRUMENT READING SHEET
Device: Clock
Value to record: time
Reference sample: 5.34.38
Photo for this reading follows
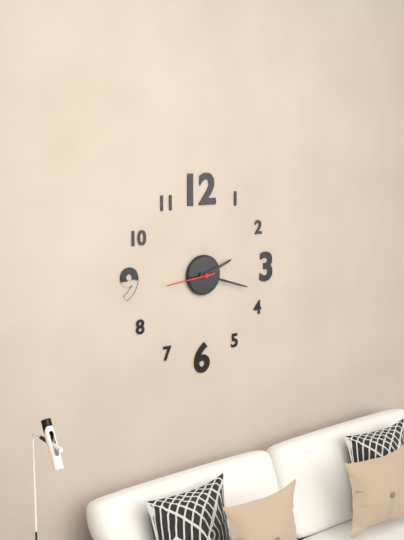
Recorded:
2.18.44
